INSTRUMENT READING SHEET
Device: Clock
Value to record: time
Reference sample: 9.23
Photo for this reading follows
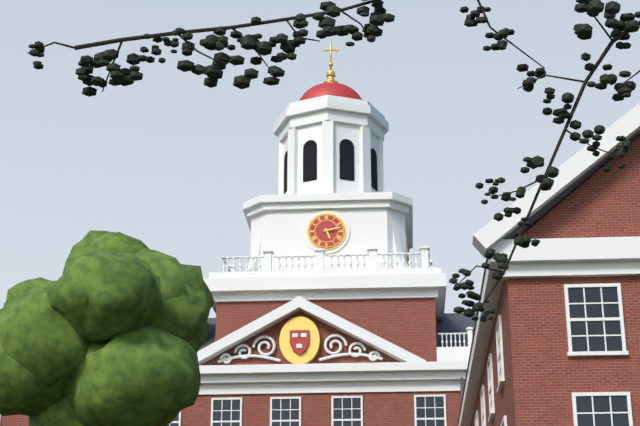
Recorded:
5.13
